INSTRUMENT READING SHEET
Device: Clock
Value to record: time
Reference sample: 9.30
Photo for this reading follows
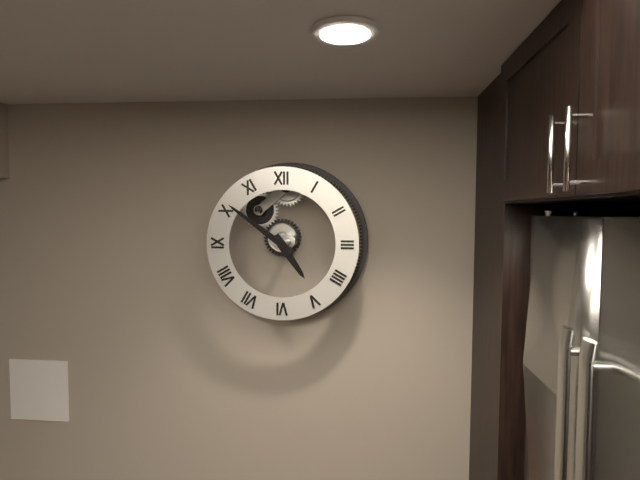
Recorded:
4.51
